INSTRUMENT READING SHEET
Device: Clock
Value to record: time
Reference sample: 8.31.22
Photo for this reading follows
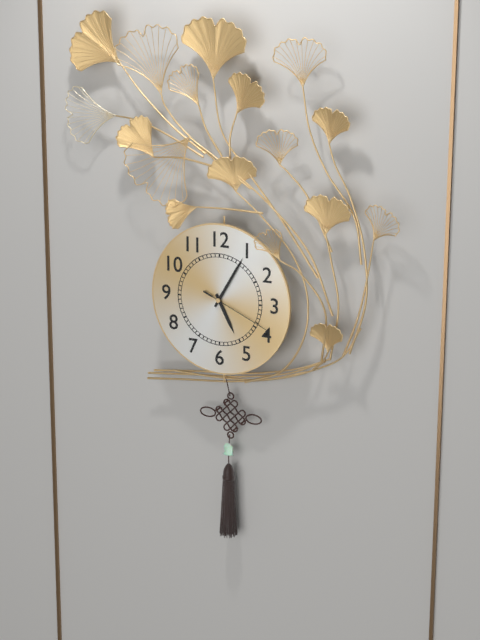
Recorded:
5.05.19
